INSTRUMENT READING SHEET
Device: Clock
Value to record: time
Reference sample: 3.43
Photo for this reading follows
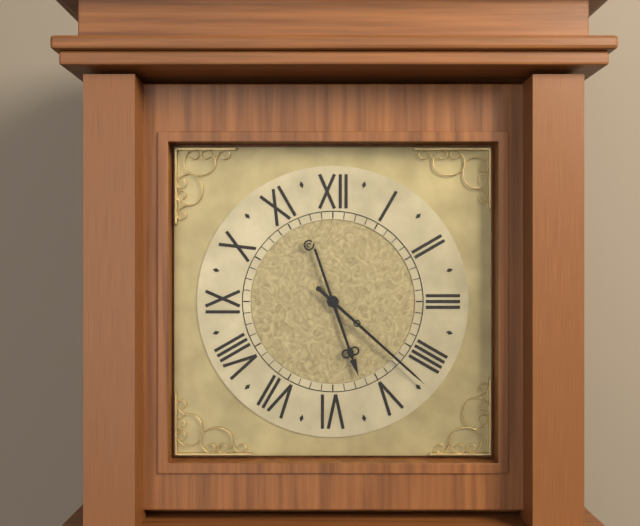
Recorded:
5.22
